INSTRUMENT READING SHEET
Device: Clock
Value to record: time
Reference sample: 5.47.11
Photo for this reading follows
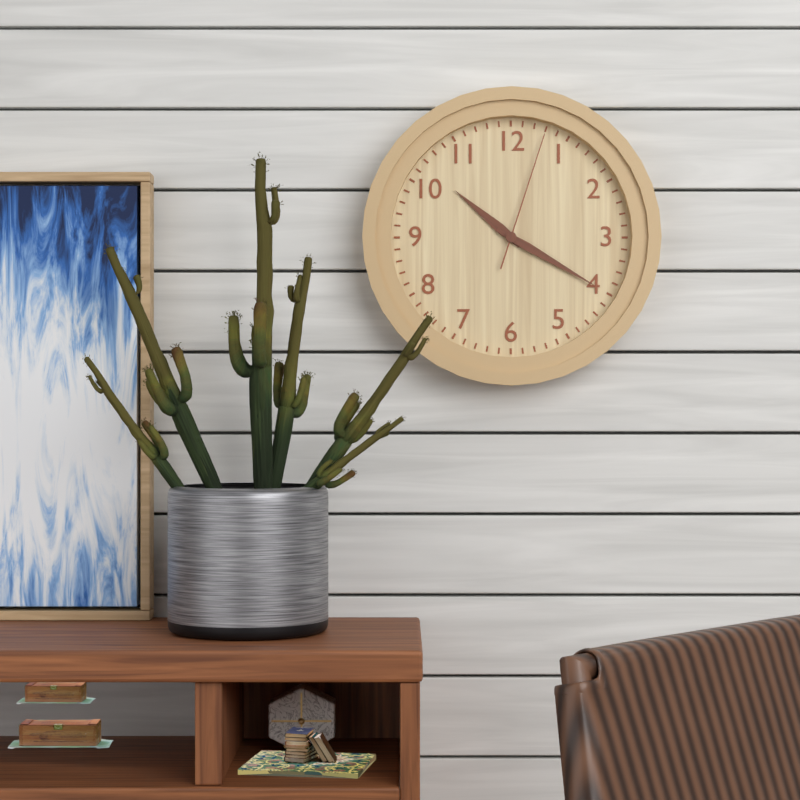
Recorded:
10.20.03
